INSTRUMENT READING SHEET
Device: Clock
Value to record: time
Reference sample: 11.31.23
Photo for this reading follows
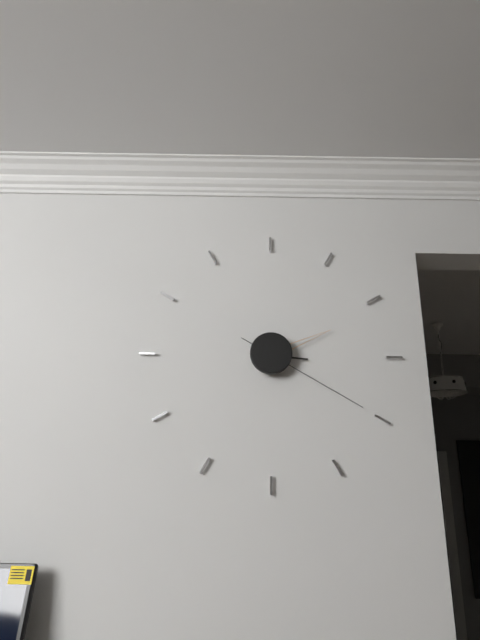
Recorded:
3.11.20
